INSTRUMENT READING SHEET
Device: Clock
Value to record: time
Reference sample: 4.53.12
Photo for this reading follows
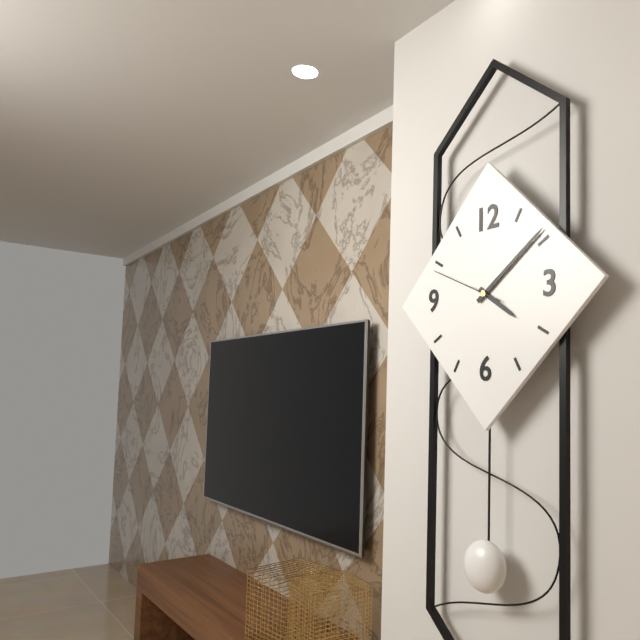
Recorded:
4.09.49
